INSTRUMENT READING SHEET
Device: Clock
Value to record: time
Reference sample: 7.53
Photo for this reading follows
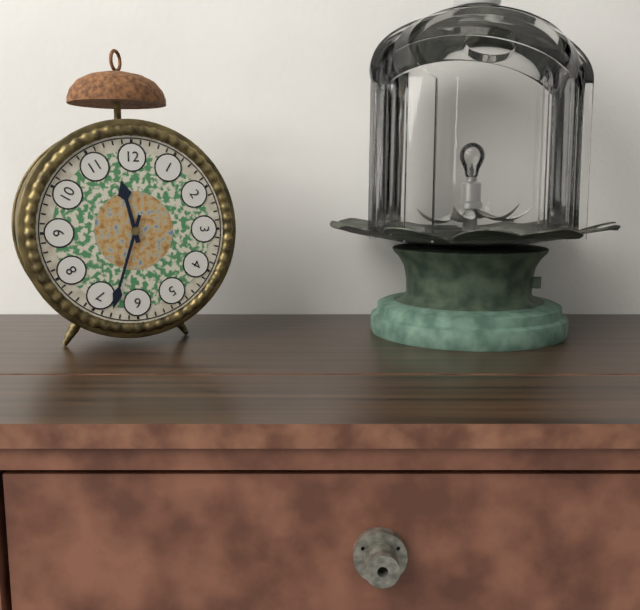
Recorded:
11.33
